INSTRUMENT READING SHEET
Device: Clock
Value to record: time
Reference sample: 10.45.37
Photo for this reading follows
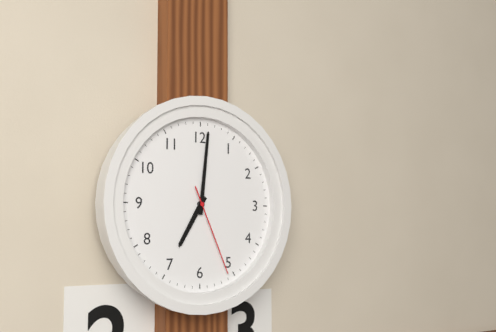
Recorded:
7.01.26
